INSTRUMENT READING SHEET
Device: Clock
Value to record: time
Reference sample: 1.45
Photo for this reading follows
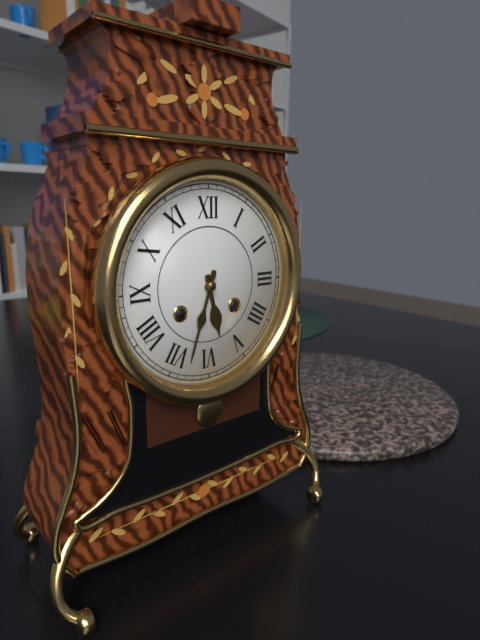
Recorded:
5.33
